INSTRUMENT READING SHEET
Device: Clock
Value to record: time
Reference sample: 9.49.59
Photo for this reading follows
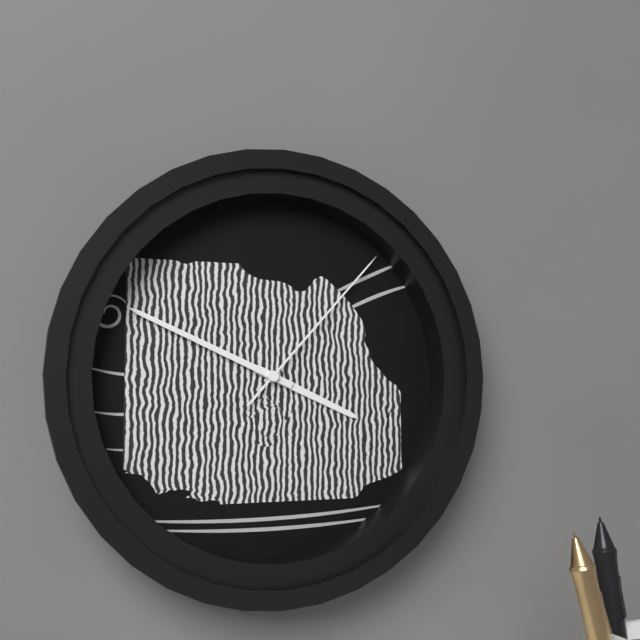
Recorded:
3.49.07
